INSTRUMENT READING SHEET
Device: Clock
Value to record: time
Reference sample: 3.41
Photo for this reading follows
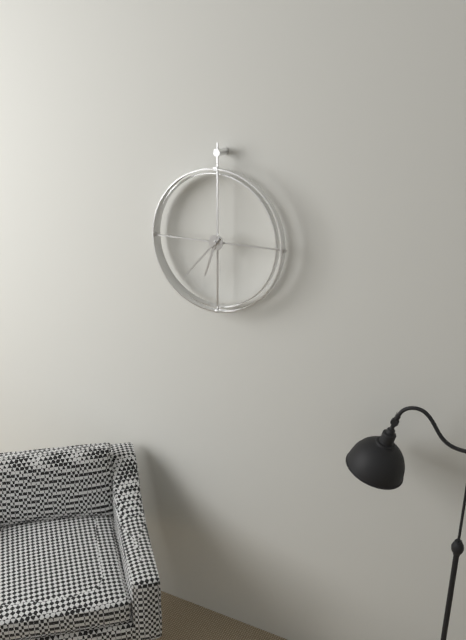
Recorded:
6.37
